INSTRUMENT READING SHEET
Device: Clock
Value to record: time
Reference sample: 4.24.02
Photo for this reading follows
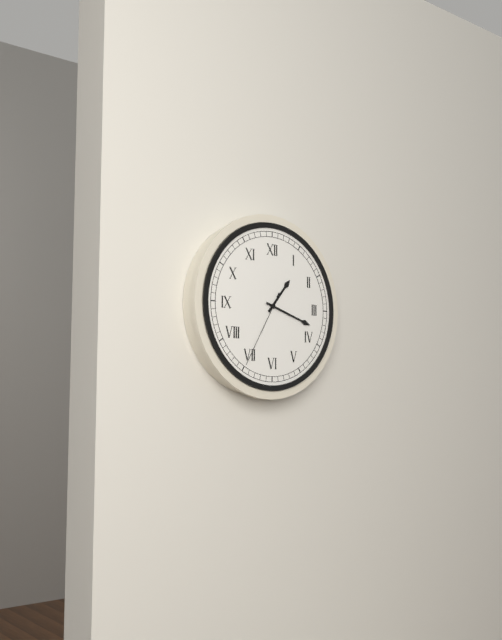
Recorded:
1.18.35
